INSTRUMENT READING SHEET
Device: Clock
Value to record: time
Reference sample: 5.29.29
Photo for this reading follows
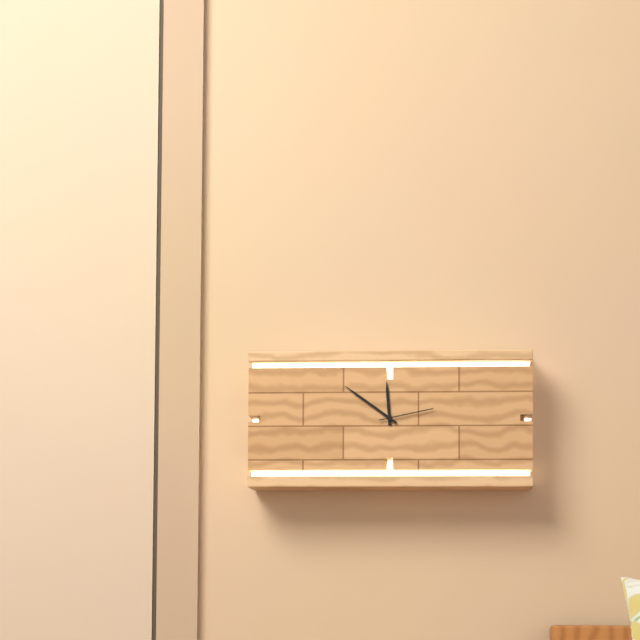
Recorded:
11.51.13
